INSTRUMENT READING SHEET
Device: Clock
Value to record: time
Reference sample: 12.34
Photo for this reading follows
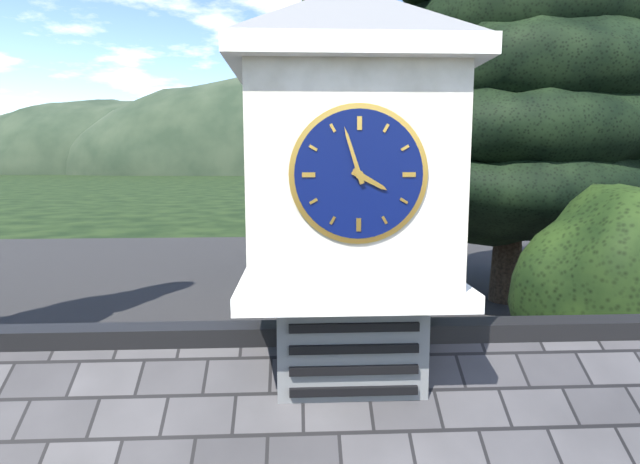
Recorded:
3.57
